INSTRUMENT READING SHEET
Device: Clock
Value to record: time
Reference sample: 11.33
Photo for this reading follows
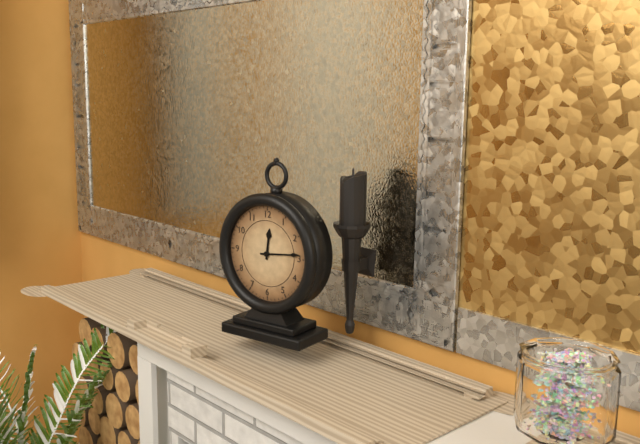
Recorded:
12.14
